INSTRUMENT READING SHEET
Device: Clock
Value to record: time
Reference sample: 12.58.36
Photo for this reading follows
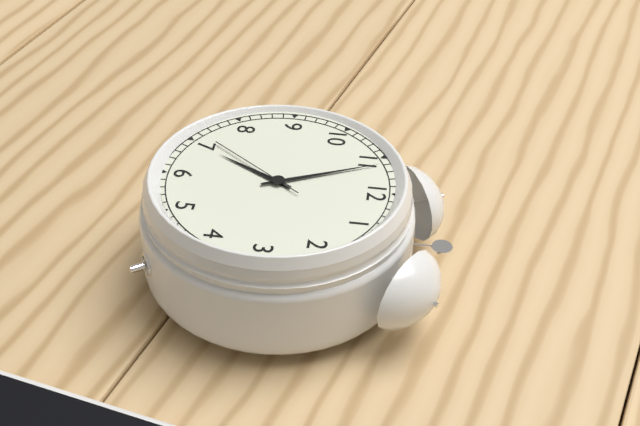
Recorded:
6.56.36
